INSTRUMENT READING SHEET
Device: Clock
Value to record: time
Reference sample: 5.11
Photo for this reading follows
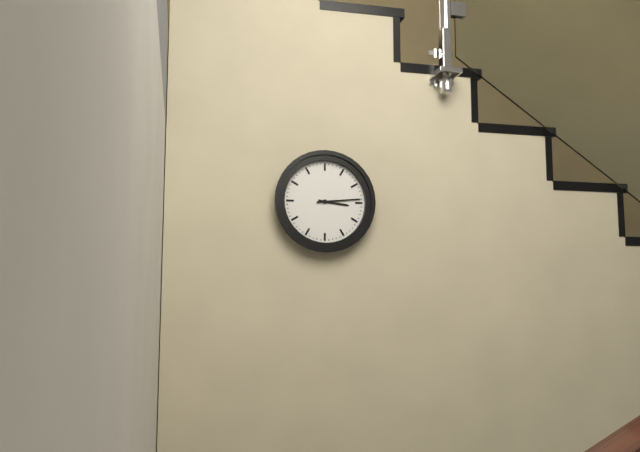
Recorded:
3.14
